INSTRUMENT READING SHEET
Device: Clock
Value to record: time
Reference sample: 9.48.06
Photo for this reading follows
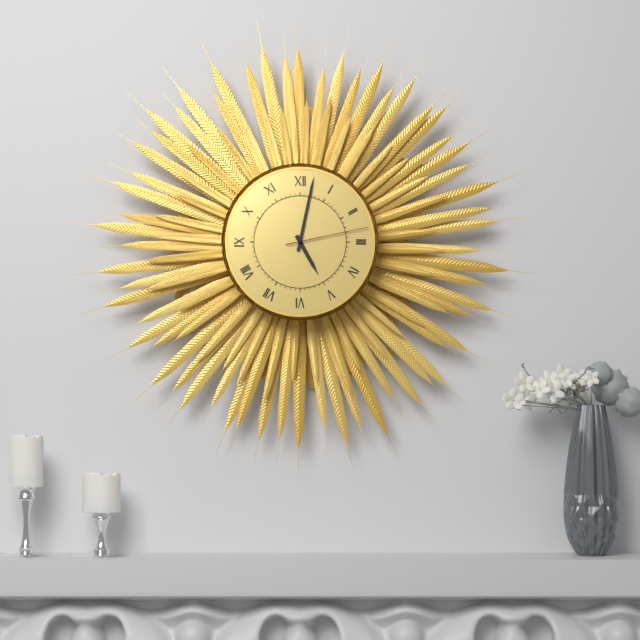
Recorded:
5.02.13
